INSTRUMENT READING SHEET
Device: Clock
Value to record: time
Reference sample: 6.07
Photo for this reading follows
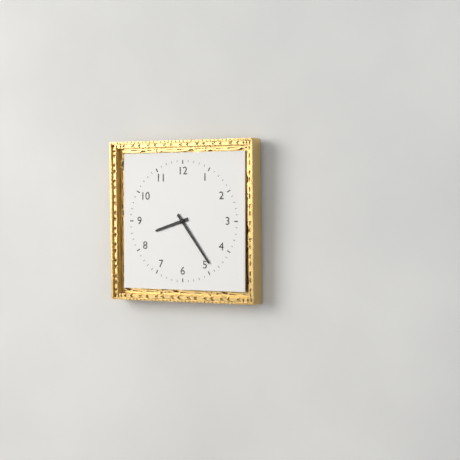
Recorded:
8.24
